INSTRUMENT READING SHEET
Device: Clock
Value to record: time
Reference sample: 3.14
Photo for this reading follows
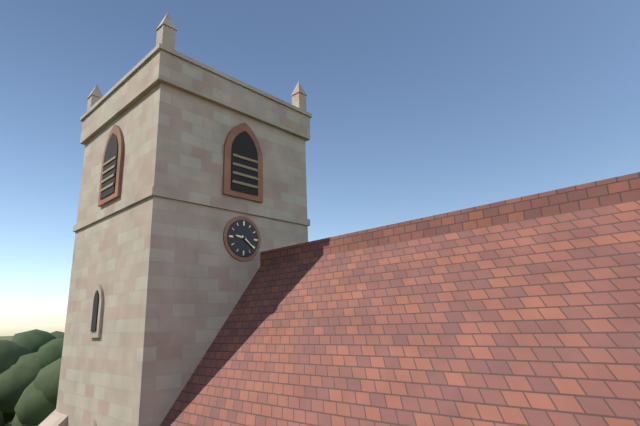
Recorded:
9.21
